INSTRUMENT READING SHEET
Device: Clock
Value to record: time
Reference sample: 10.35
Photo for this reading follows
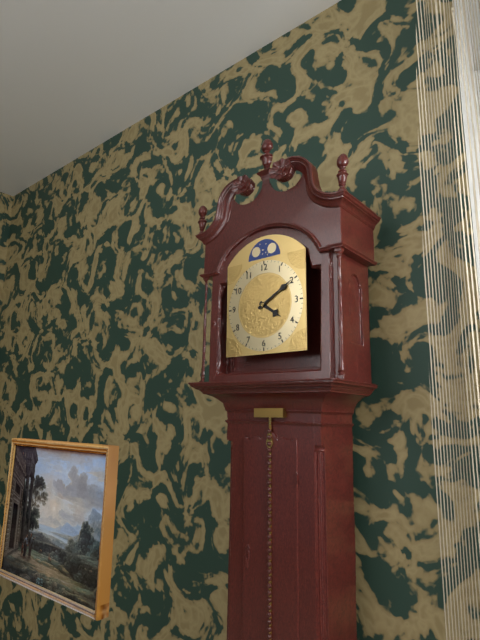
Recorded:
4.10
